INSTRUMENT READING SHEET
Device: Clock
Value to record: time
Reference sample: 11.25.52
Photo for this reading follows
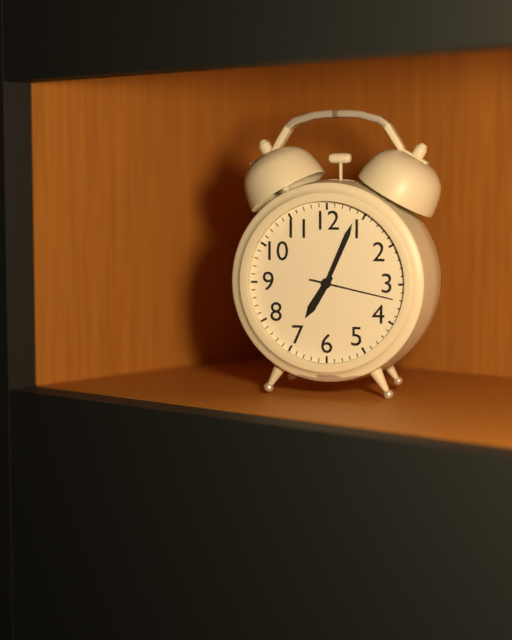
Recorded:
7.04.17
